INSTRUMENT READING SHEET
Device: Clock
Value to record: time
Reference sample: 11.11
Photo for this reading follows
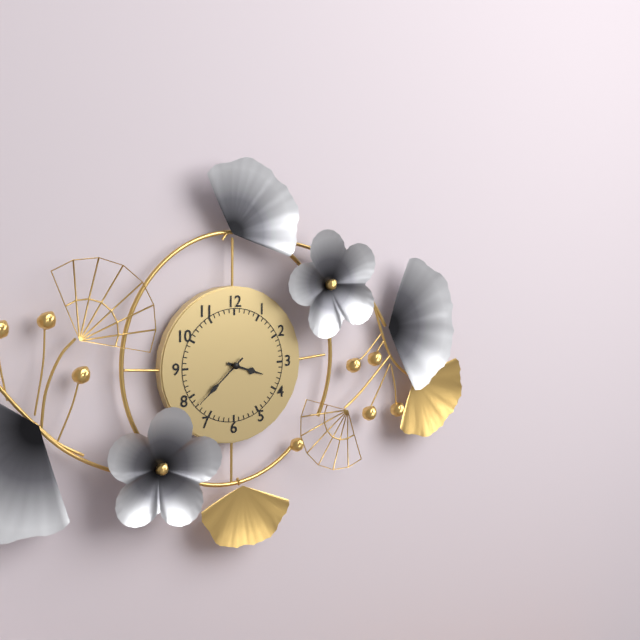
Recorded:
3.38
